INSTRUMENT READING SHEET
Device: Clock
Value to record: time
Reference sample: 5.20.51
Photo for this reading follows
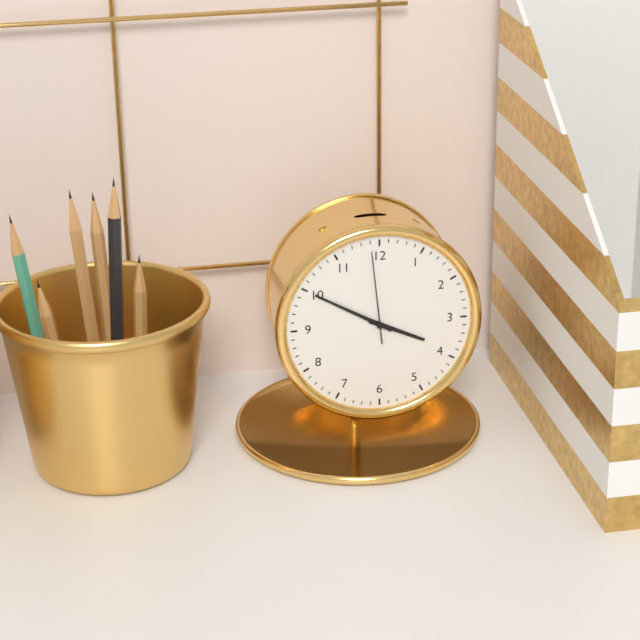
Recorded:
3.50.59
